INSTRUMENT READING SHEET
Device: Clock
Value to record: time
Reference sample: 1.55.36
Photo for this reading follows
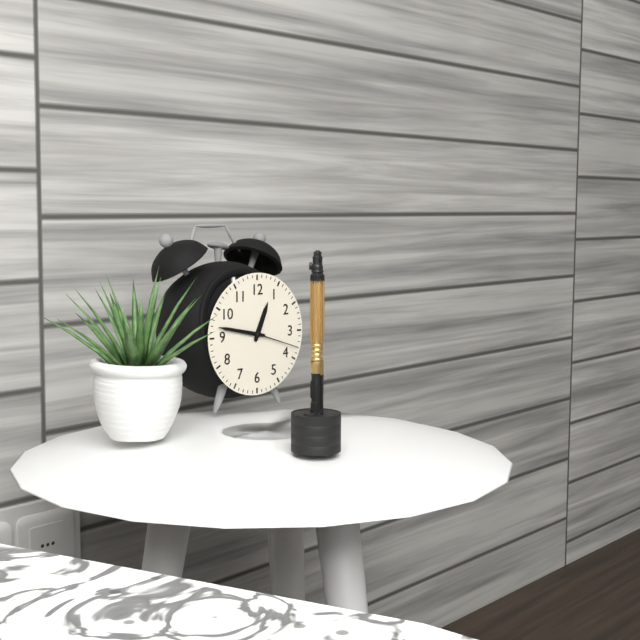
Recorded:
12.47.18
